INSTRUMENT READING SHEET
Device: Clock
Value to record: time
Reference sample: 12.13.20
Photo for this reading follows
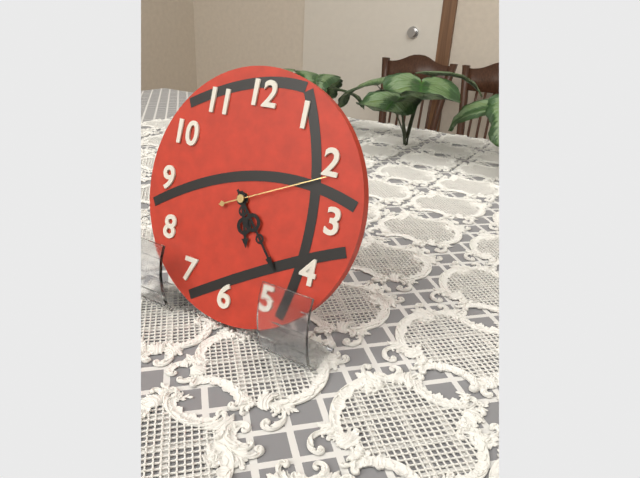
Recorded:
5.23.11
